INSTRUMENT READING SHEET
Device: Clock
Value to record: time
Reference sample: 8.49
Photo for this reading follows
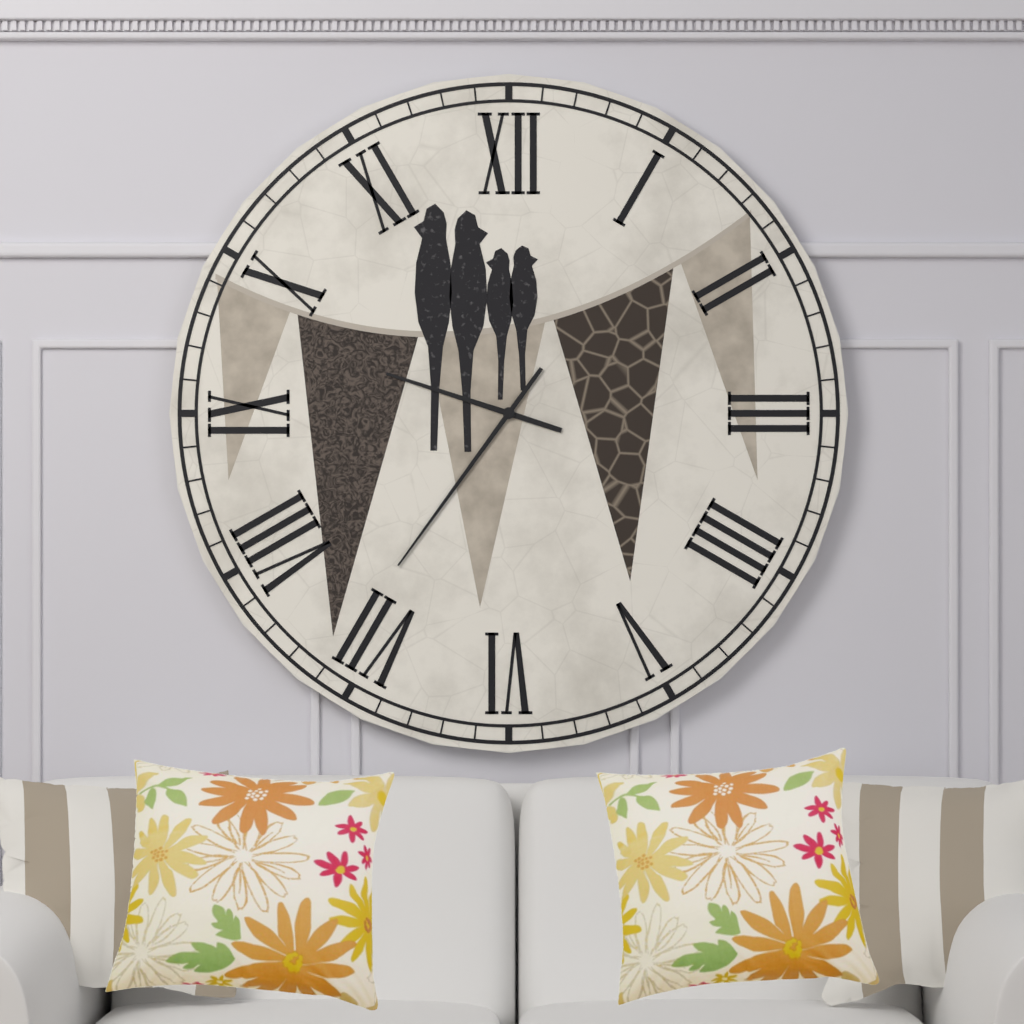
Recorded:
9.36
